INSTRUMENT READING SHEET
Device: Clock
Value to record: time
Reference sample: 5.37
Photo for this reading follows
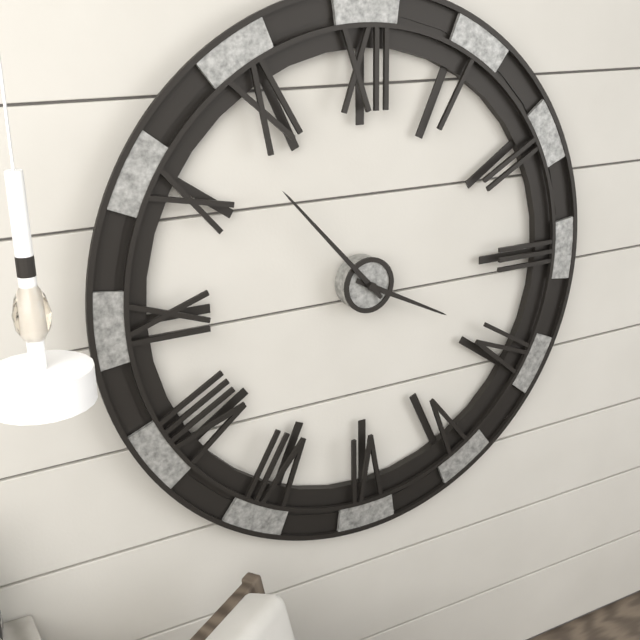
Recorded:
3.53
